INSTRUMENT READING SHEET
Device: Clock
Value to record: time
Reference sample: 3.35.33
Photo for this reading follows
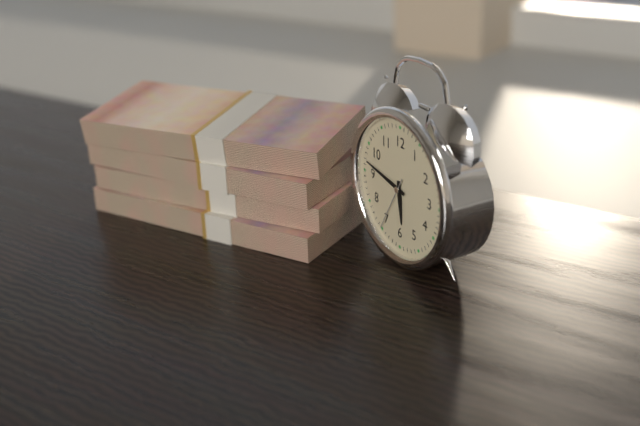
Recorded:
5.47.35
